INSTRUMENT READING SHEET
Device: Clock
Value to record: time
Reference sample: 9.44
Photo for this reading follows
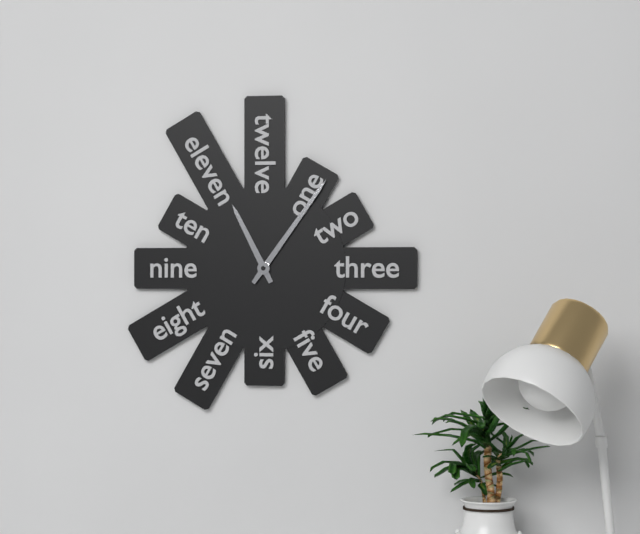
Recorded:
11.06
